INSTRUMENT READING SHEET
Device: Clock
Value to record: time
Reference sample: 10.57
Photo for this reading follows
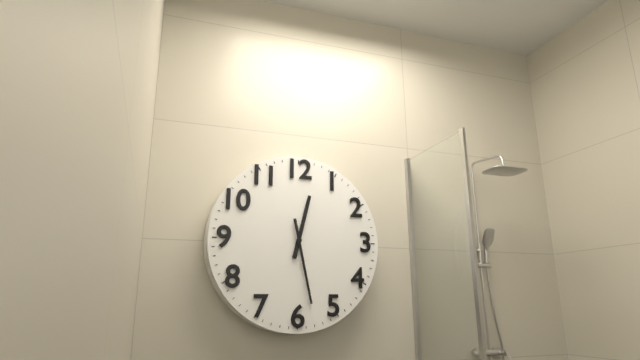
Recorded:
12.28
